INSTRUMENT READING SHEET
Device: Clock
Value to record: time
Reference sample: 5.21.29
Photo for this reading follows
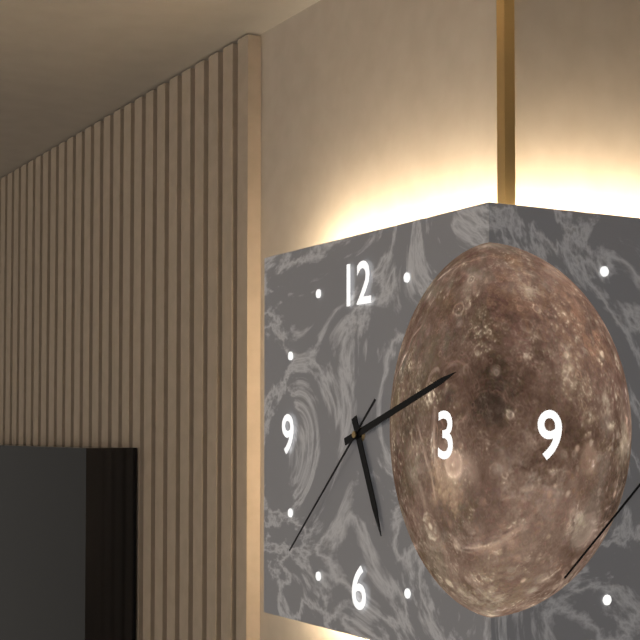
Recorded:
5.12.38
